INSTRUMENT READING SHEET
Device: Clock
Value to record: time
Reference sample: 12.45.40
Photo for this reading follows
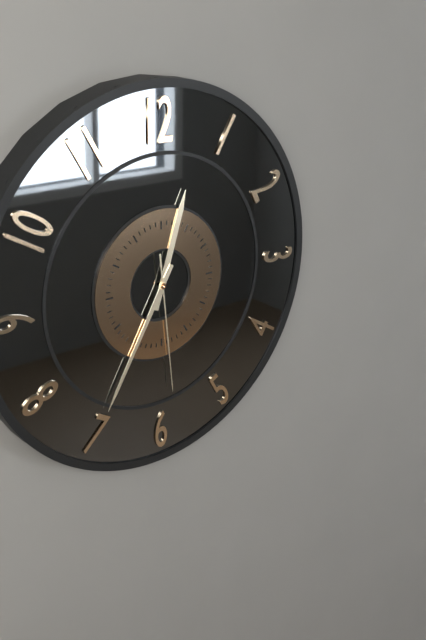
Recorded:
12.35.29
